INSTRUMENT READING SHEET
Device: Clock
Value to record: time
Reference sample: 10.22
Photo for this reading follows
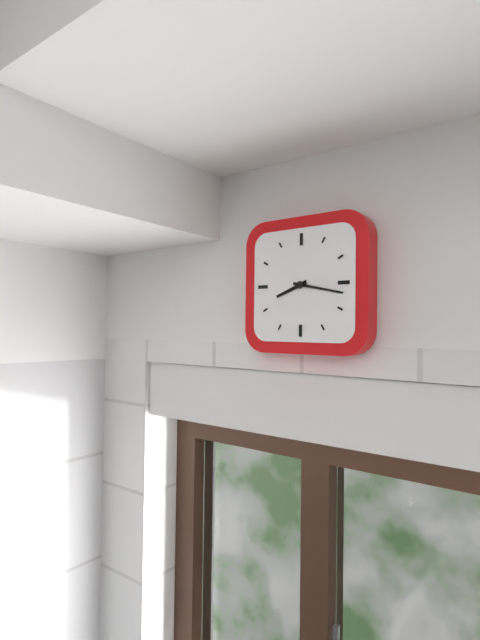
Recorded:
8.17
